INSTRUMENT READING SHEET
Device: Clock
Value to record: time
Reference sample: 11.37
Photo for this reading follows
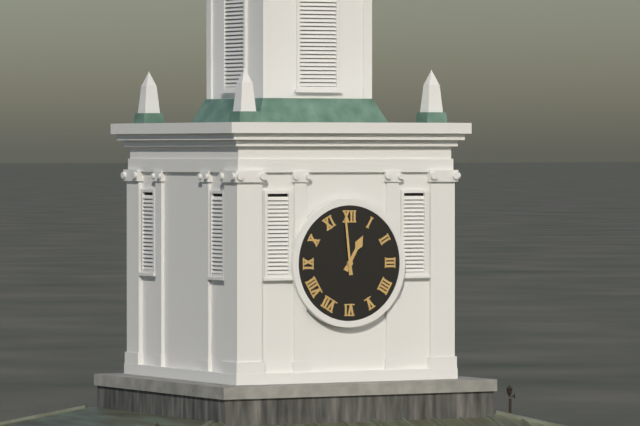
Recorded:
12.59
